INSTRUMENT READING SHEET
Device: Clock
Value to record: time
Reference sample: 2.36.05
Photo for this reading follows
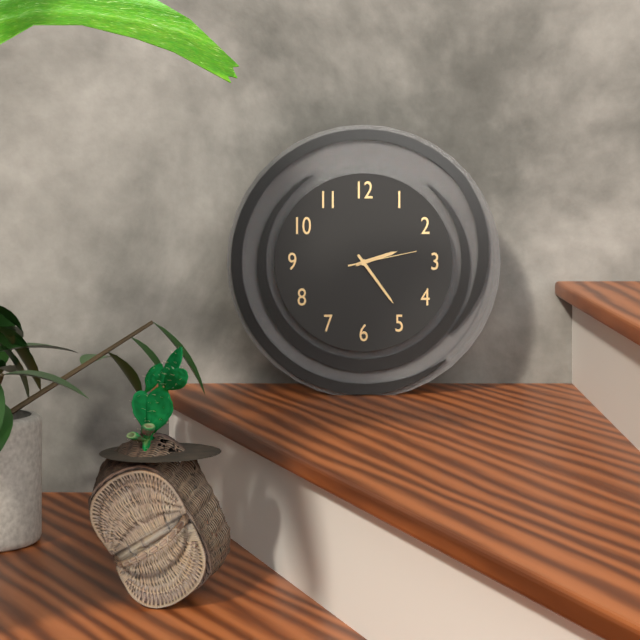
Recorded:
2.24.13
